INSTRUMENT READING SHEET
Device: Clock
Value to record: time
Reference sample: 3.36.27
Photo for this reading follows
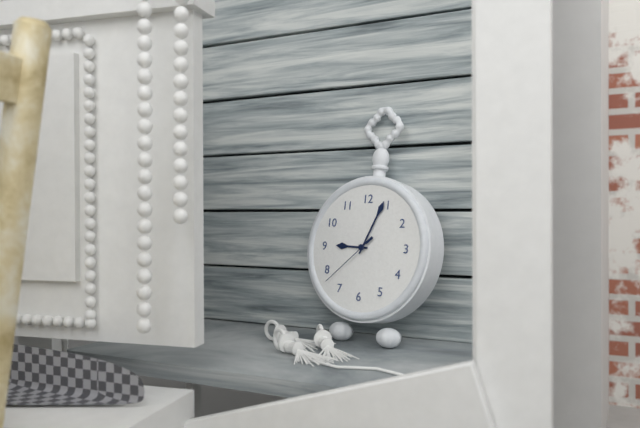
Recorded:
9.04.38
